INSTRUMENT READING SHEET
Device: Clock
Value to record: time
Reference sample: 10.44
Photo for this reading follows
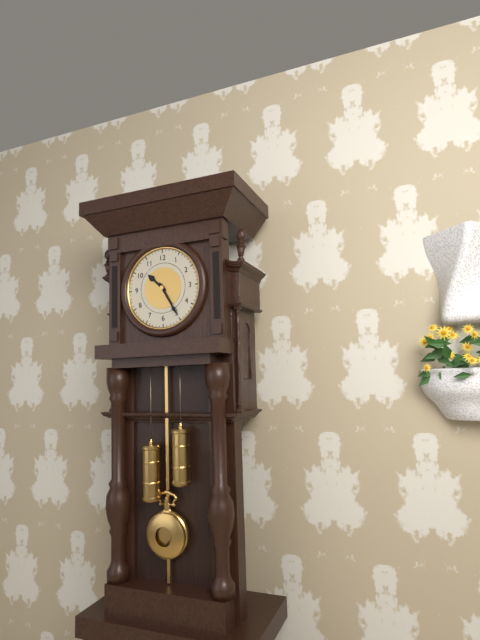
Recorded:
10.25
